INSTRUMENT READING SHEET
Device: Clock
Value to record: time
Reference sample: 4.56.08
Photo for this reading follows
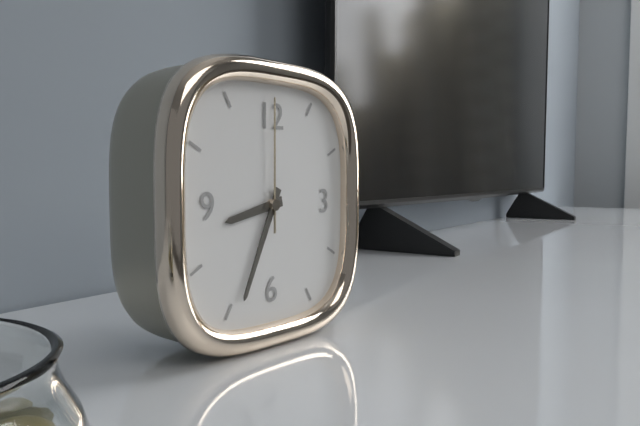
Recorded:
8.34.00
